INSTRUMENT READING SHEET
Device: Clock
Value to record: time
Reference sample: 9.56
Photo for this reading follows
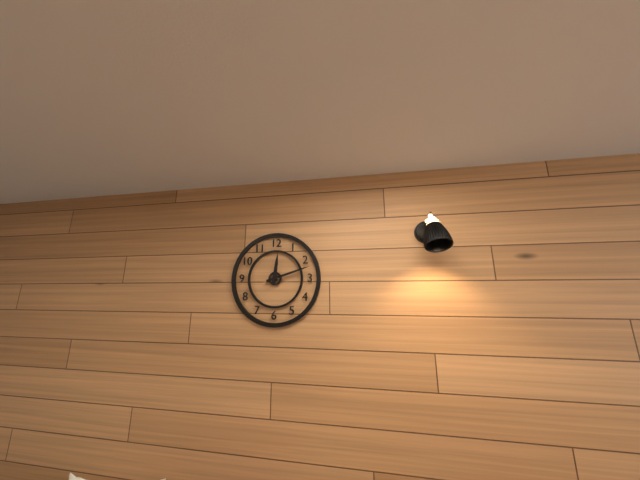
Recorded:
12.12
